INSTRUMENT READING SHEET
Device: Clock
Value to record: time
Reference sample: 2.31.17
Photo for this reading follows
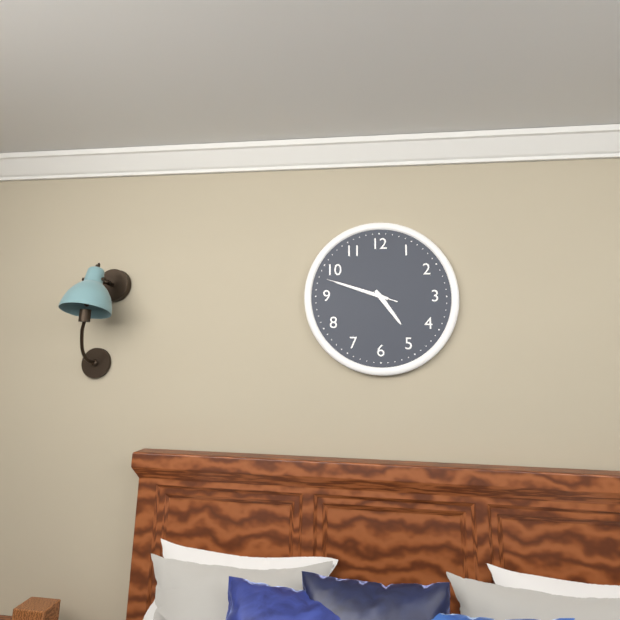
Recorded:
4.48.48
